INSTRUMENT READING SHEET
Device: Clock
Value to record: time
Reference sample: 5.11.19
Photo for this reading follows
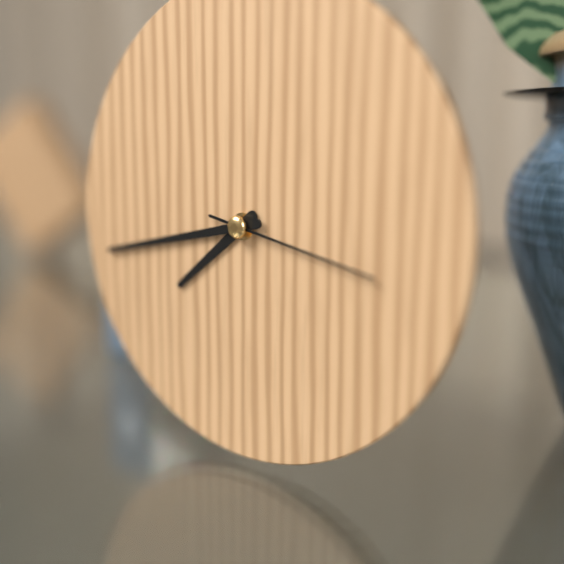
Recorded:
7.43.17
